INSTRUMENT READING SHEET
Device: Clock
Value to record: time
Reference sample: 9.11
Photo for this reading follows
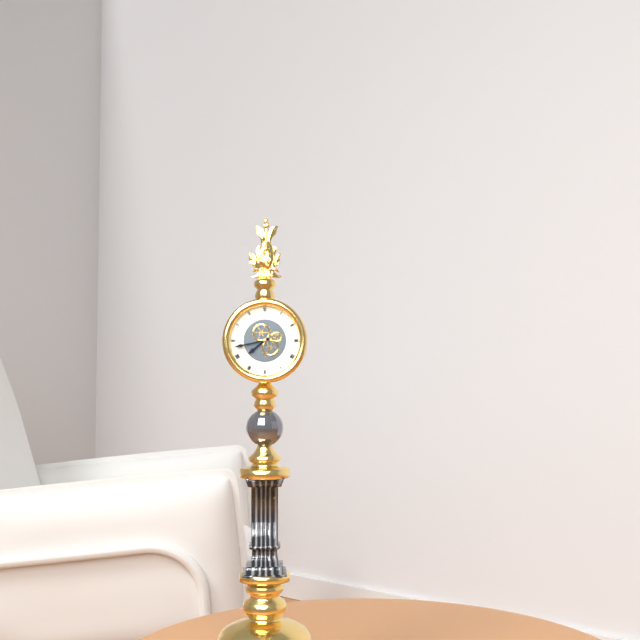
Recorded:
7.43
